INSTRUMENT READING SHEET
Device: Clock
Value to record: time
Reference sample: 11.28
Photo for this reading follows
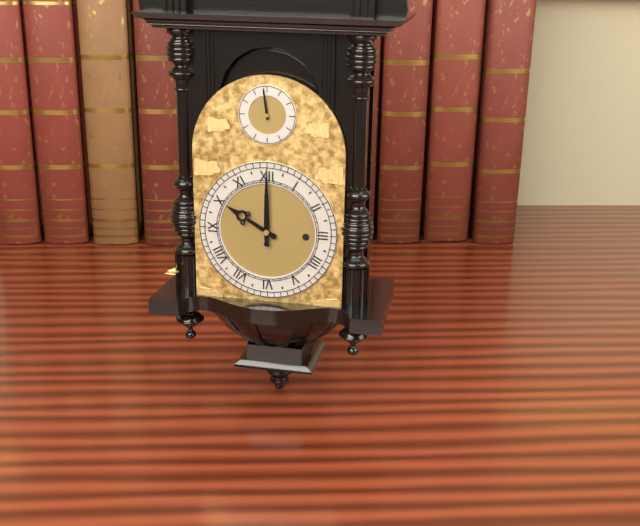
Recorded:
10.00
